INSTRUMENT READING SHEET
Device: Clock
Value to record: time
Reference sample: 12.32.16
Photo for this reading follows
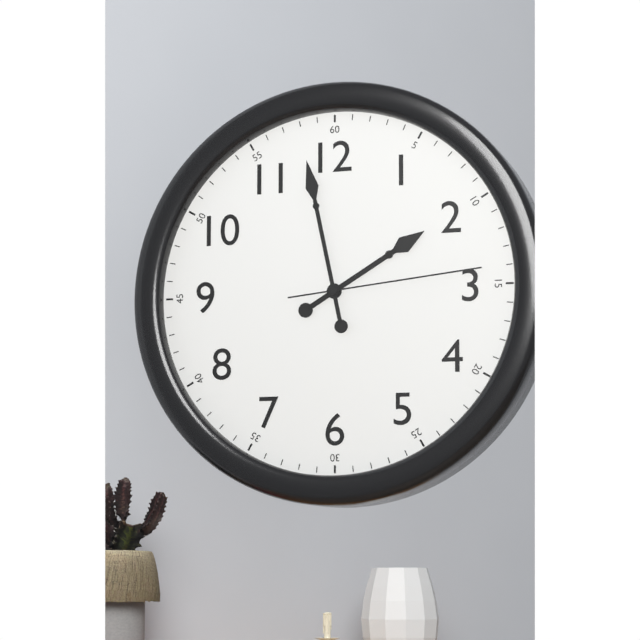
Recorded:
1.58.14
